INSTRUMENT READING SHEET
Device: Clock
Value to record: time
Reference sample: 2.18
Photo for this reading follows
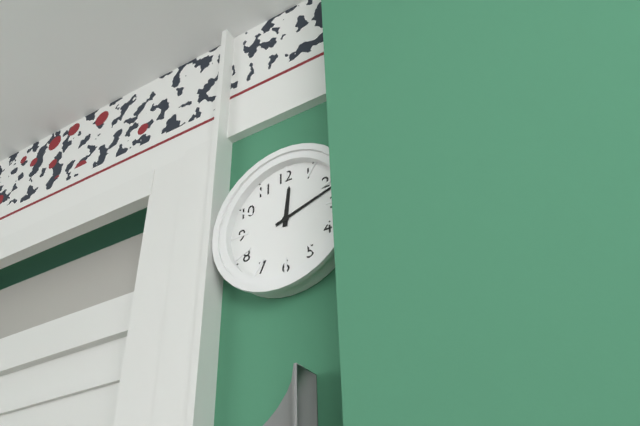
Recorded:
12.12
